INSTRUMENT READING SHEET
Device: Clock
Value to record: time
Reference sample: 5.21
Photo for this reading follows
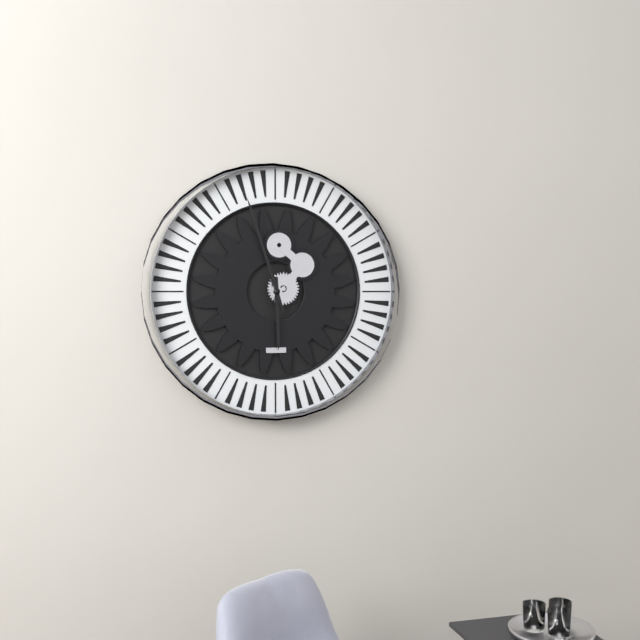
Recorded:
5.57
